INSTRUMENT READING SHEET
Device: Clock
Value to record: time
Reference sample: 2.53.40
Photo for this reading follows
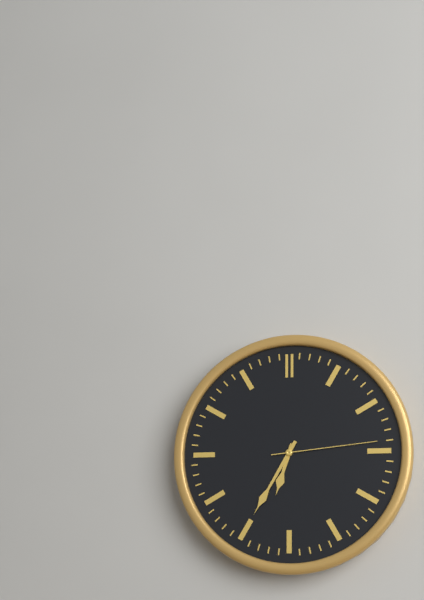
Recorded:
6.35.14
